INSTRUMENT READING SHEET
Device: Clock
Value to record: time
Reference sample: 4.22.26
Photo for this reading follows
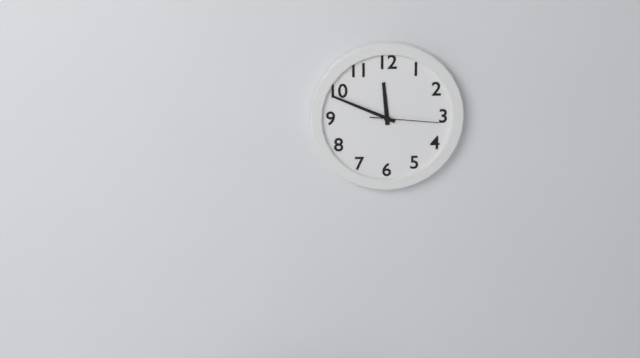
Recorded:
11.49.16
